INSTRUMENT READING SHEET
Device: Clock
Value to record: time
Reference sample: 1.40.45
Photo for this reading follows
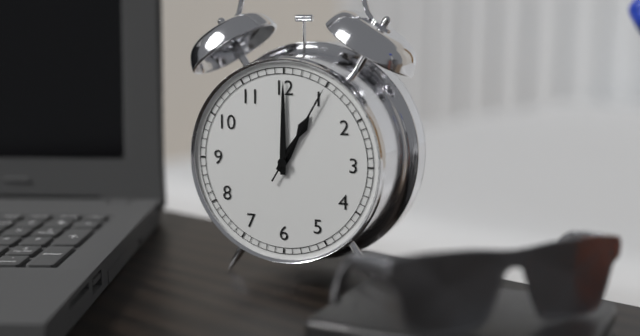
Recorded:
1.00.05
